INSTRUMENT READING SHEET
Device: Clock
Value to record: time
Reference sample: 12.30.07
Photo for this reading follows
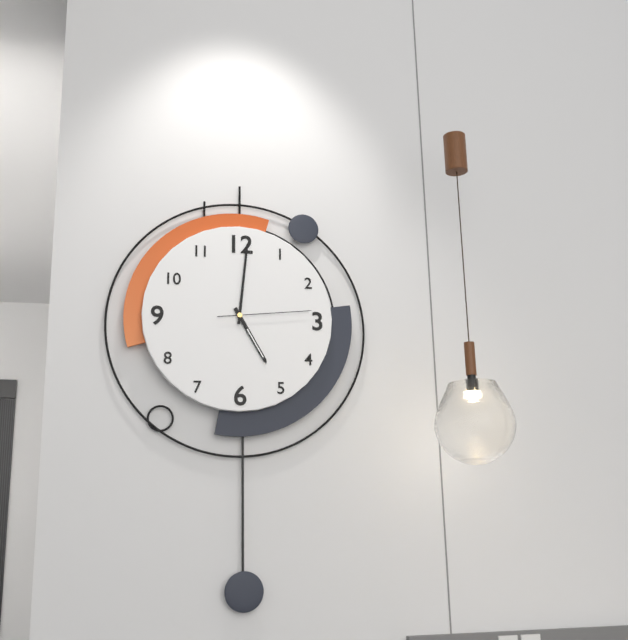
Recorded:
5.01.14
